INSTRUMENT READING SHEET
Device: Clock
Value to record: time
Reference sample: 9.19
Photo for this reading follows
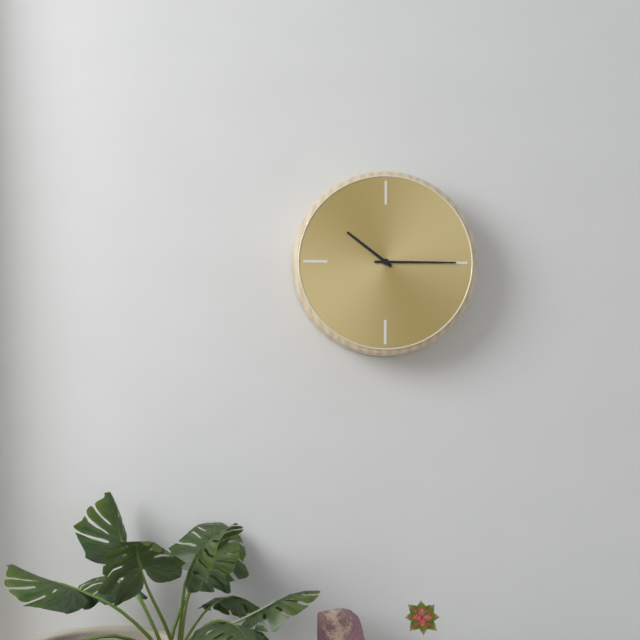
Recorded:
10.15
